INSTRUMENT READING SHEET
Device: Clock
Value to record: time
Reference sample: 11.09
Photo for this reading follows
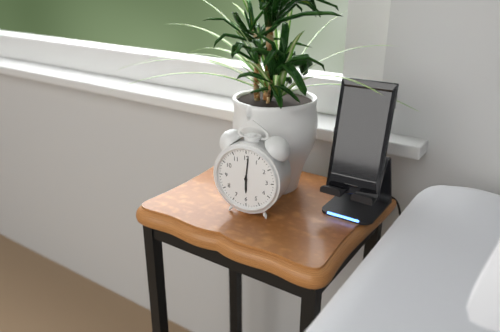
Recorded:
6.01
